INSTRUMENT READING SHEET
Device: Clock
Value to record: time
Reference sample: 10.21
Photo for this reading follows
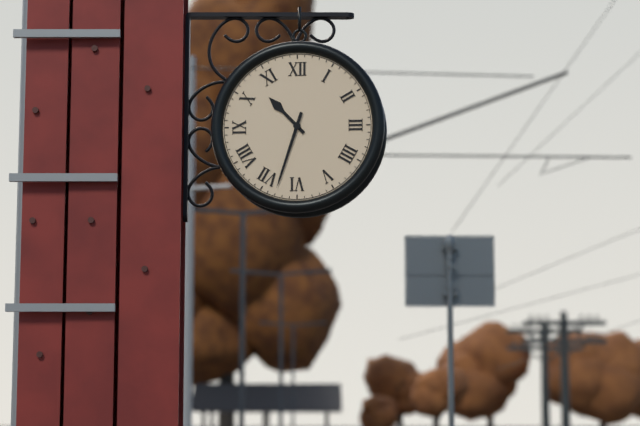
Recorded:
10.33
